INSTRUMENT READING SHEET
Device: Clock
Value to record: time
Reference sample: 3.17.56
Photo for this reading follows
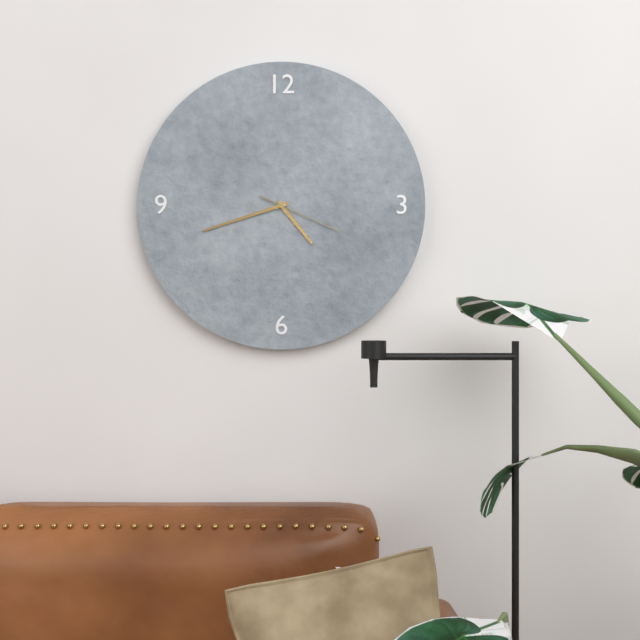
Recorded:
4.42.19
